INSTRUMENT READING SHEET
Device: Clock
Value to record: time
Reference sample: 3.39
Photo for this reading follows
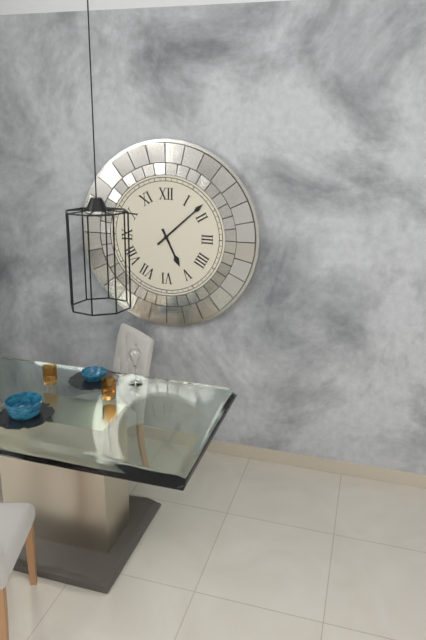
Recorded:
5.08
